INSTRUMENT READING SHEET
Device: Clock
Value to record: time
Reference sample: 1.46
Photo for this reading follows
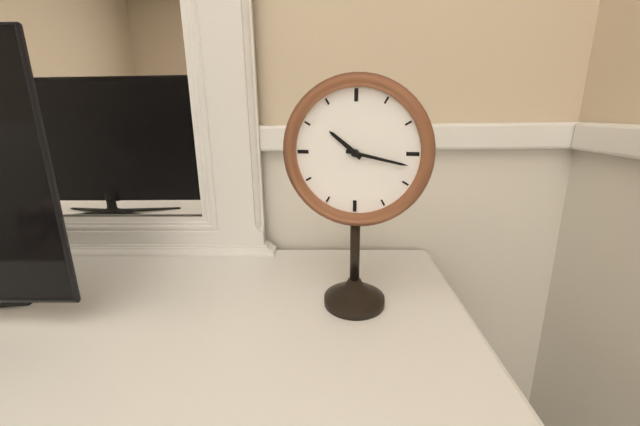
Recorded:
10.17
